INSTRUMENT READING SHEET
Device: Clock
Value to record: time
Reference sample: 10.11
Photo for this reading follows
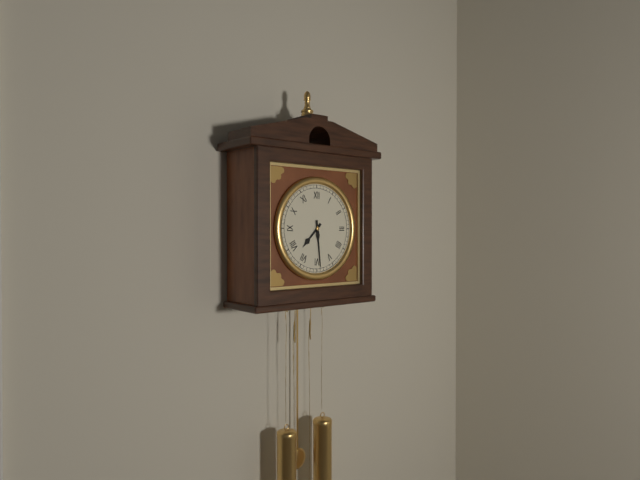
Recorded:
7.29
